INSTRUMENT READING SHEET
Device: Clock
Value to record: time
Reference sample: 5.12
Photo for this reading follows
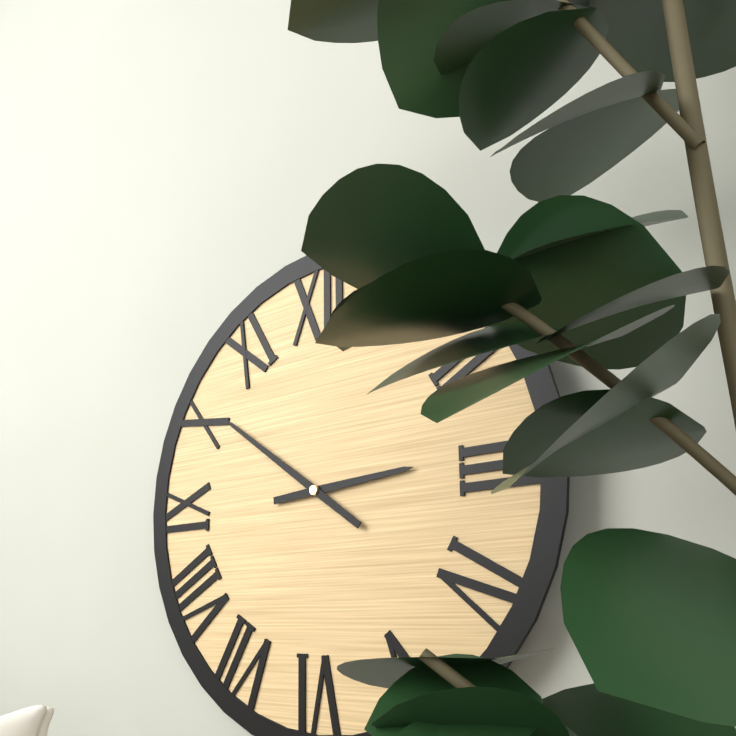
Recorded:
2.51
